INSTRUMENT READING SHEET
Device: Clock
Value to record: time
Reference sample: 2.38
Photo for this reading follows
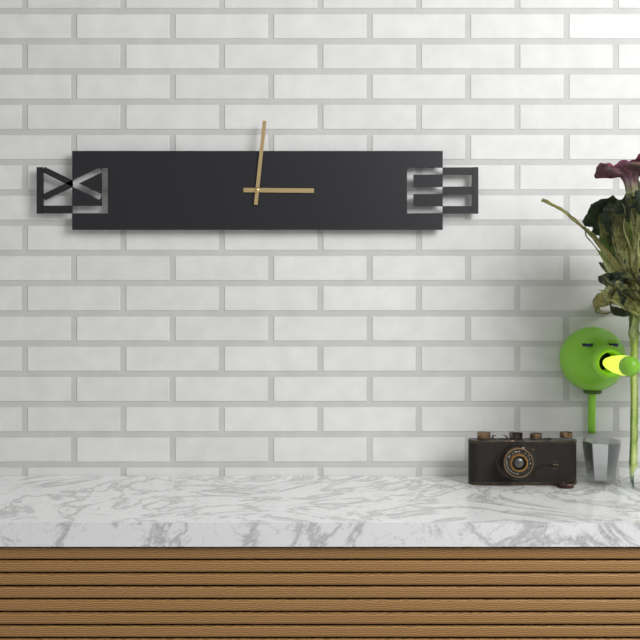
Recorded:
3.01
